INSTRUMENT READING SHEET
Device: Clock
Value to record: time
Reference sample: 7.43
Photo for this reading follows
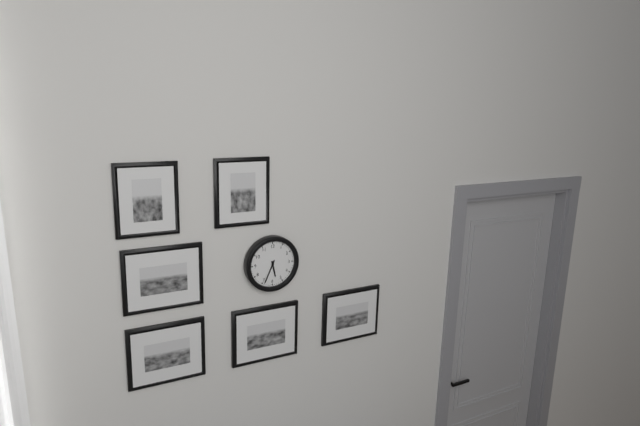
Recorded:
5.34
